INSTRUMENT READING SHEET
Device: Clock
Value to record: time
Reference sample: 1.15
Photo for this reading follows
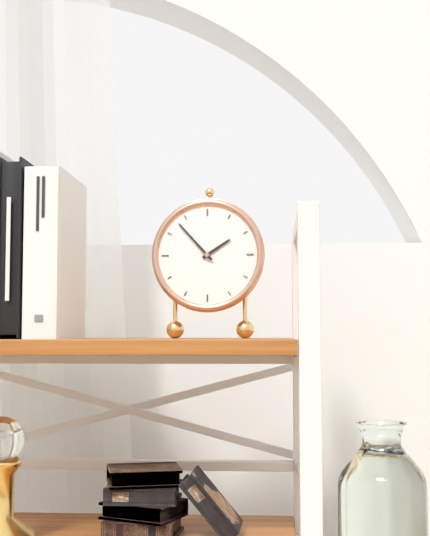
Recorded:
1.53
